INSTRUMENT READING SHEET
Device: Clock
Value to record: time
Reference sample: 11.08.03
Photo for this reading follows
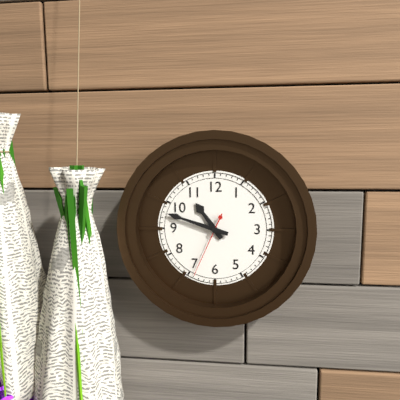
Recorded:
10.48.34
